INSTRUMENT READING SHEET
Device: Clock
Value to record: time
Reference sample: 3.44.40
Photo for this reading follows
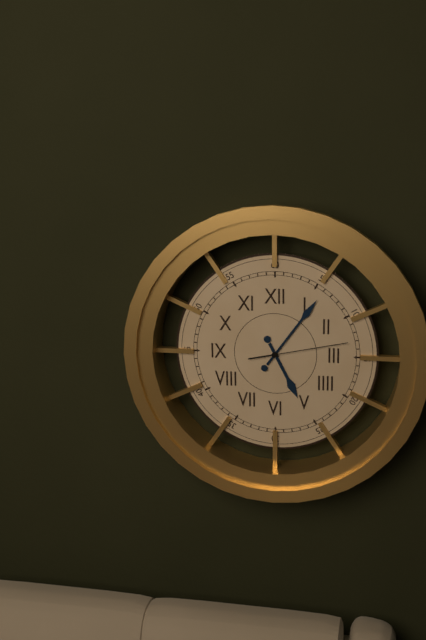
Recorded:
5.06.13
